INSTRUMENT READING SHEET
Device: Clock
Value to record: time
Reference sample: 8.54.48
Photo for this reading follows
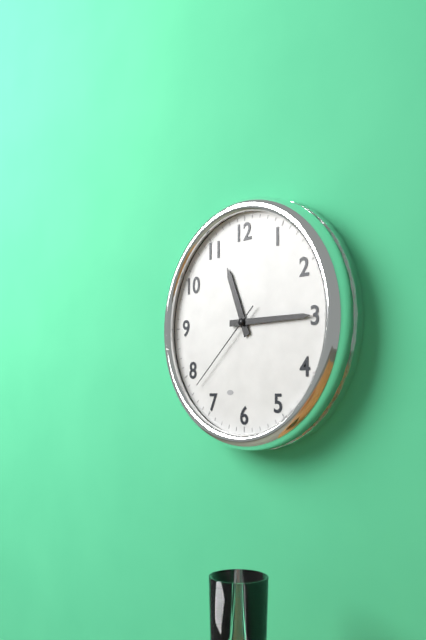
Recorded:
11.15.38
